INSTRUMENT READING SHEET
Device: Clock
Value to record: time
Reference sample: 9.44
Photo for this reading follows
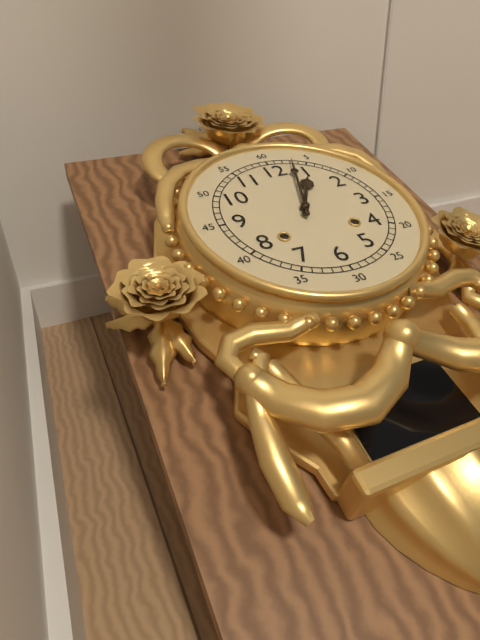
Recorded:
1.03
